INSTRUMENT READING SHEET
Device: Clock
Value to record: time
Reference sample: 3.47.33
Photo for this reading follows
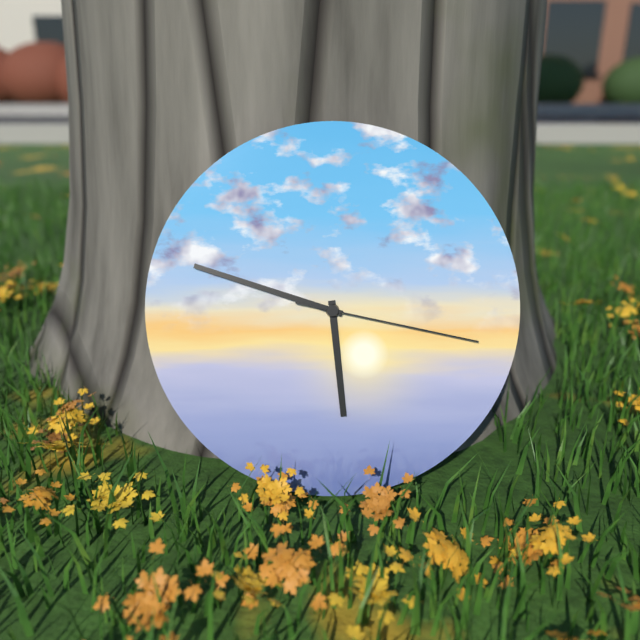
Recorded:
5.48.17
